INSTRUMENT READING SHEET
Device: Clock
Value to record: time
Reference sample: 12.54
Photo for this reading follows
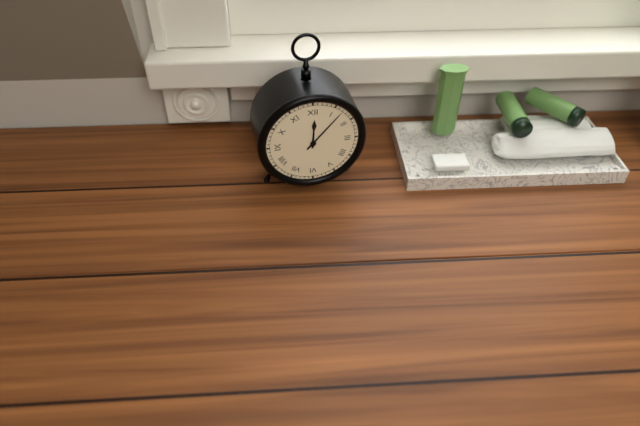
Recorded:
12.07
